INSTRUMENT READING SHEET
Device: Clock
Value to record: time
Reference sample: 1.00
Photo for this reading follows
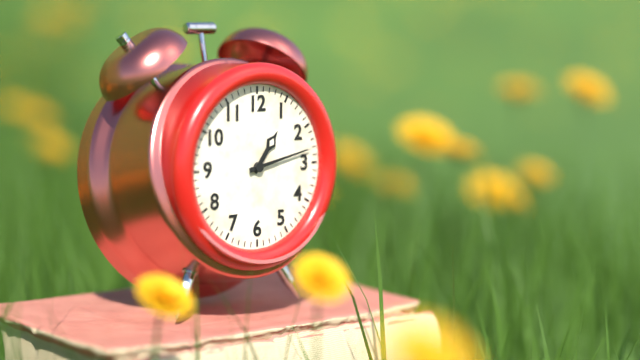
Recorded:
1.13
